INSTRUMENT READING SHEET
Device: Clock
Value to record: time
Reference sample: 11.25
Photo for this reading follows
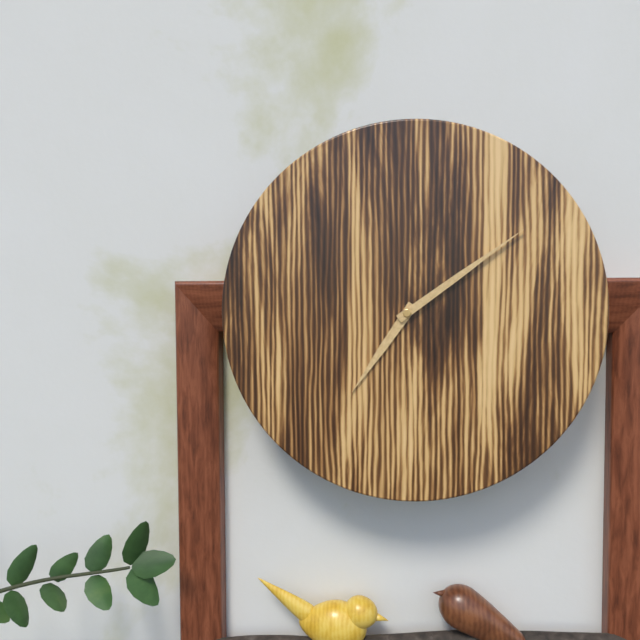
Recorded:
7.09
